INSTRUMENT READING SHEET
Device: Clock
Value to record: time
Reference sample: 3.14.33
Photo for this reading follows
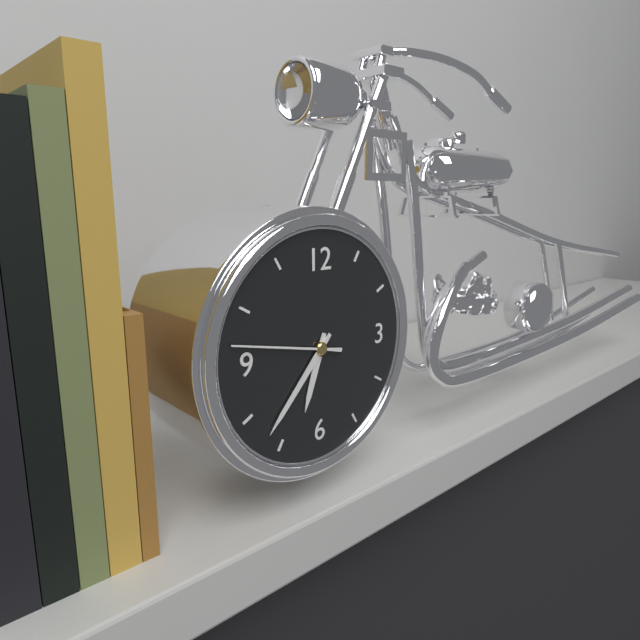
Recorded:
6.37.47
